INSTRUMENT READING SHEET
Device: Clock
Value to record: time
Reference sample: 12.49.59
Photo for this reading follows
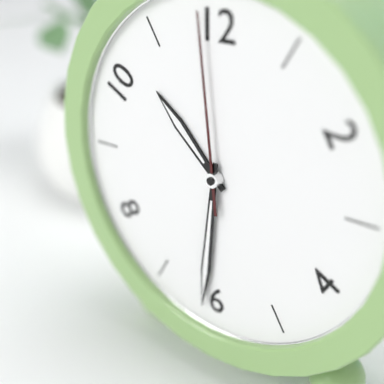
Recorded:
10.31.59
